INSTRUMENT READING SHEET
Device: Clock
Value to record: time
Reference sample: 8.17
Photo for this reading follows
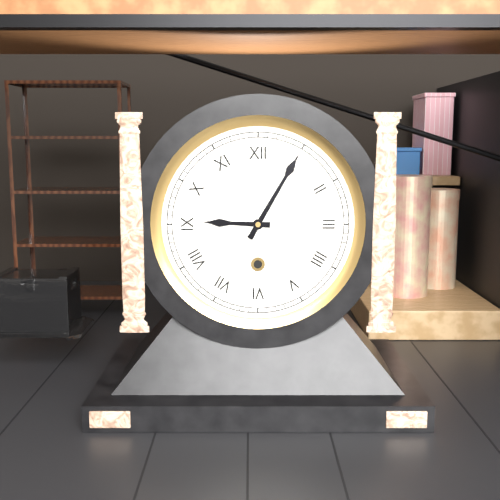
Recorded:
9.05
